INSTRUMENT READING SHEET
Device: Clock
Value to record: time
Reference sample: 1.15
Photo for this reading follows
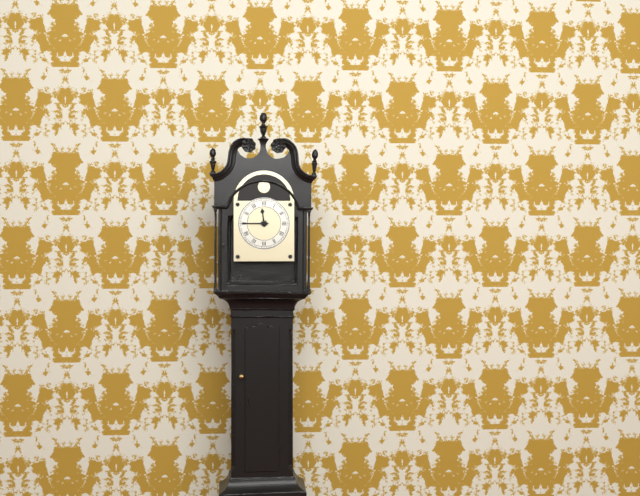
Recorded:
11.45
